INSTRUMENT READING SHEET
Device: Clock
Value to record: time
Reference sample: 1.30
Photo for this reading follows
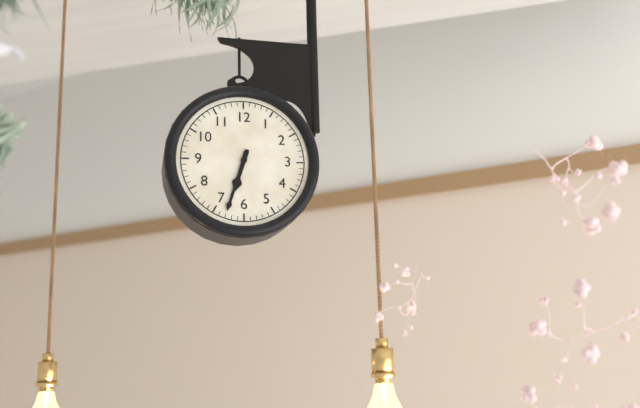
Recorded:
6.33
